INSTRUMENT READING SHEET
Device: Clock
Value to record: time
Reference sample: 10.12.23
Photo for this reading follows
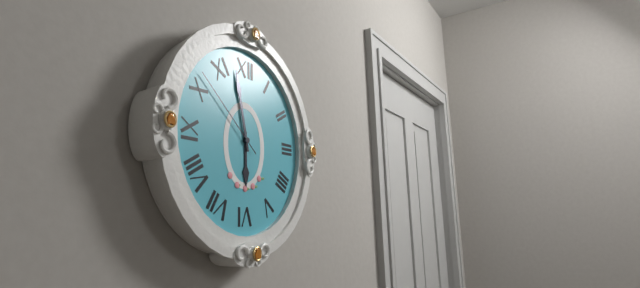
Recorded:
5.58.52
